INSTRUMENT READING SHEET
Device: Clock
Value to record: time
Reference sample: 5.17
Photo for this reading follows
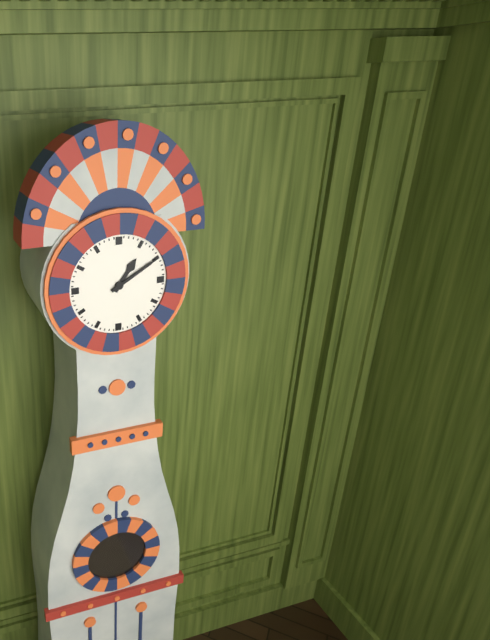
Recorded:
1.10
